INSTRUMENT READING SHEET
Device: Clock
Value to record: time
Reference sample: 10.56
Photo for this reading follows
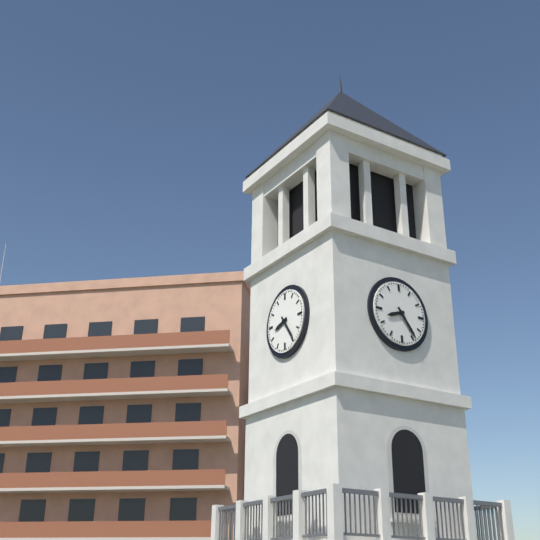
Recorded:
8.24
